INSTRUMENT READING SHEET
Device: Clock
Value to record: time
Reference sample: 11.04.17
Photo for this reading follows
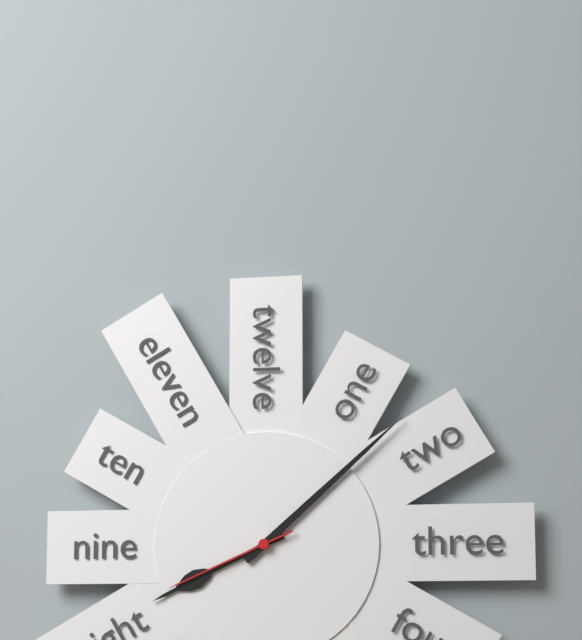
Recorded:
8.08.41
